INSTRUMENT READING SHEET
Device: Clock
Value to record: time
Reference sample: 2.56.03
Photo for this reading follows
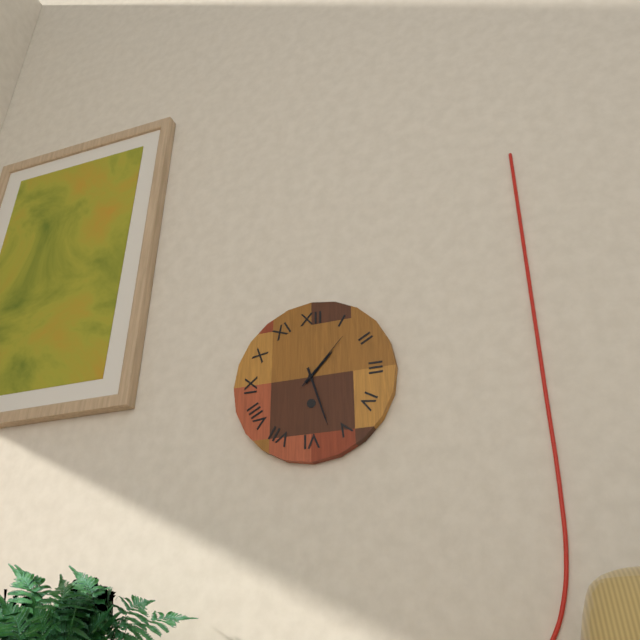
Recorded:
1.27.07
